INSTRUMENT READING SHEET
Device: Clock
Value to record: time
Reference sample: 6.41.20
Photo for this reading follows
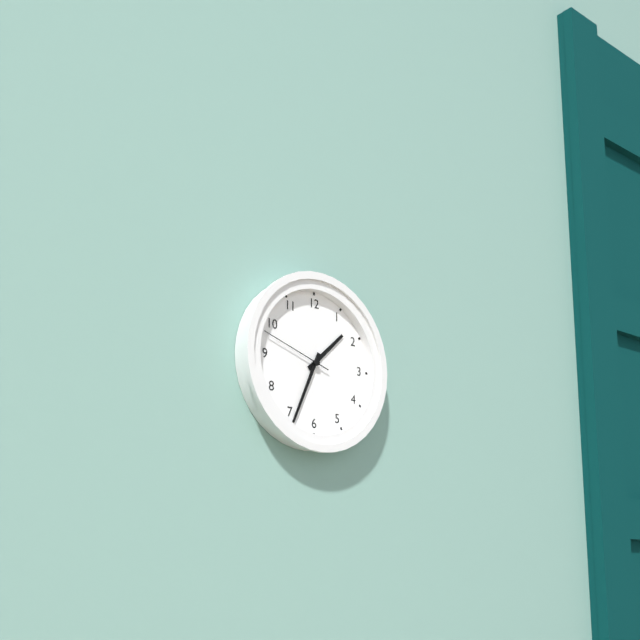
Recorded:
1.34.48
